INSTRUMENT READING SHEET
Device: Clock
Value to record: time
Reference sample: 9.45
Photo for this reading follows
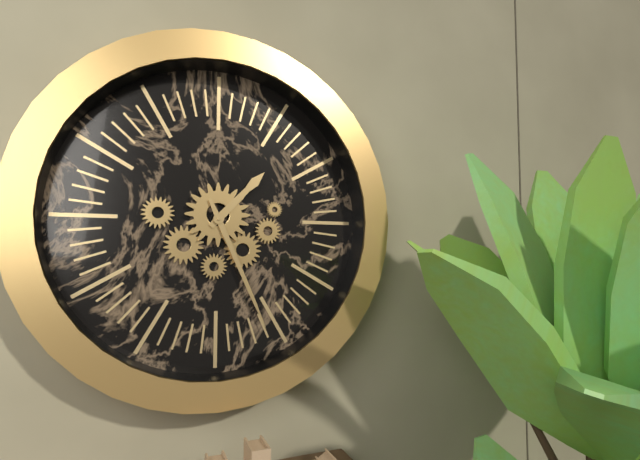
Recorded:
1.26
